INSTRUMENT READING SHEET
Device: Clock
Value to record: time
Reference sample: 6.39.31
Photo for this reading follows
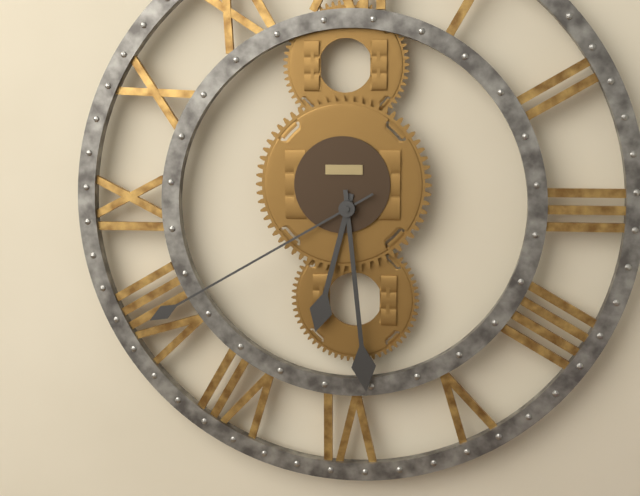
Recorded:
6.29.40
